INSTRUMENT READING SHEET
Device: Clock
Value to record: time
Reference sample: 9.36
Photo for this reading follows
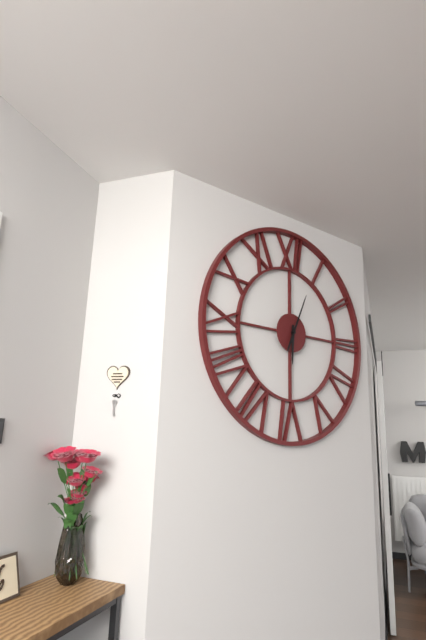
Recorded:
6.04
